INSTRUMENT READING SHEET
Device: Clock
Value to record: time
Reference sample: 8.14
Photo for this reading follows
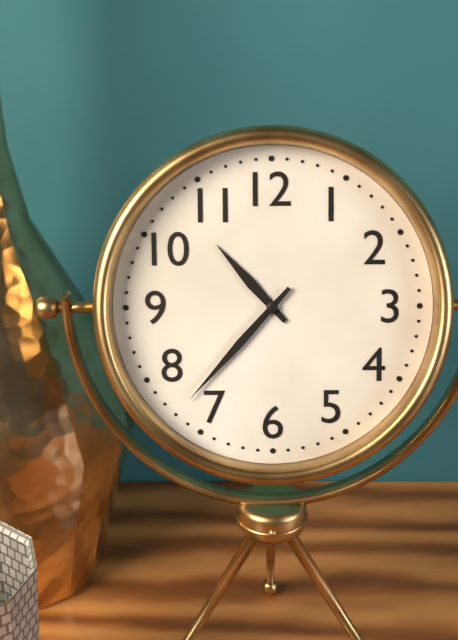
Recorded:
10.37
